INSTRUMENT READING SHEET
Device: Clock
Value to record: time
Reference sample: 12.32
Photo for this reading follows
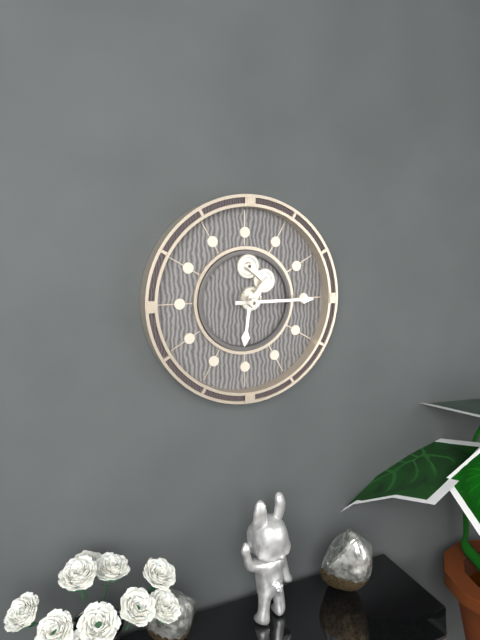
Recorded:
6.15
